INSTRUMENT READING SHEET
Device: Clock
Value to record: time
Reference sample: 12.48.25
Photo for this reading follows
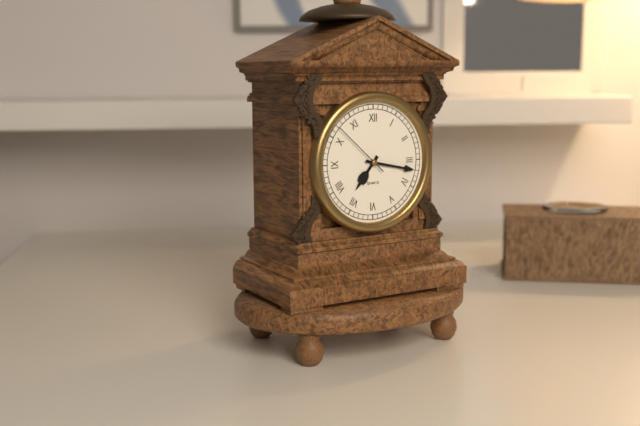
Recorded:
7.17.52
